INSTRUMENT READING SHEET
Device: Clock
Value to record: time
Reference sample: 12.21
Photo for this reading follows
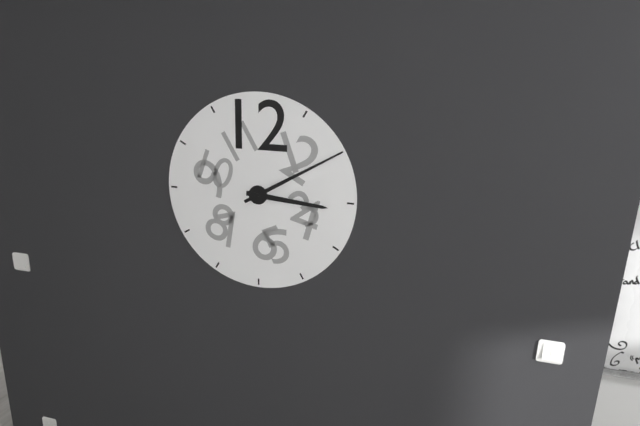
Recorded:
3.10
